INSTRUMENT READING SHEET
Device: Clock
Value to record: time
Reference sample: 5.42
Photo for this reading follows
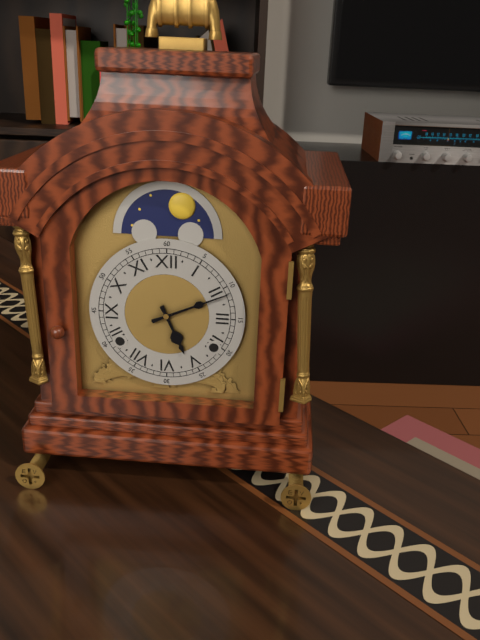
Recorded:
5.11
